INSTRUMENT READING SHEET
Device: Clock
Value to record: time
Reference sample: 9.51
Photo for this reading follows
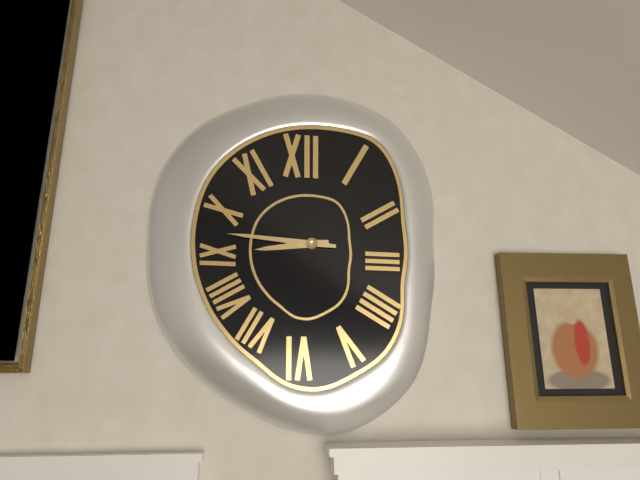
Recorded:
8.46
